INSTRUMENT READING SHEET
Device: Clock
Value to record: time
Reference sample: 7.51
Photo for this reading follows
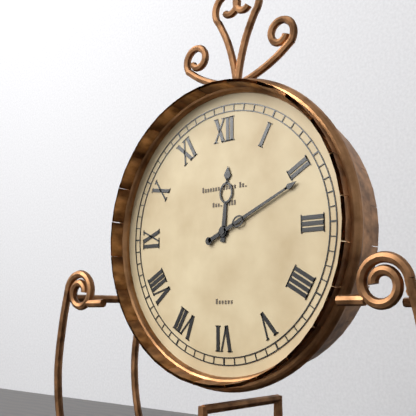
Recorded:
12.11
